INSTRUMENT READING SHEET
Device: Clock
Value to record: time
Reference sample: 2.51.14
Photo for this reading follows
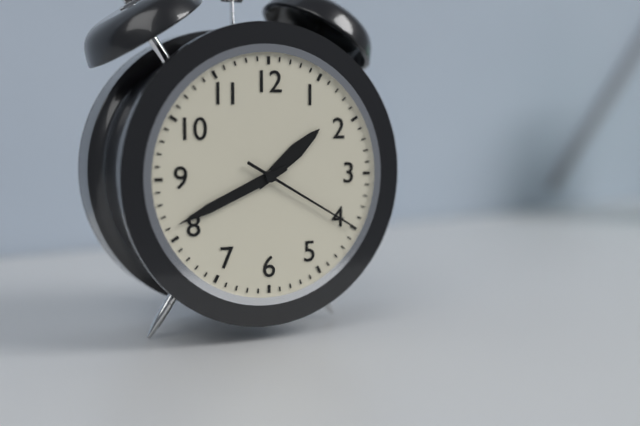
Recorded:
1.41.20
